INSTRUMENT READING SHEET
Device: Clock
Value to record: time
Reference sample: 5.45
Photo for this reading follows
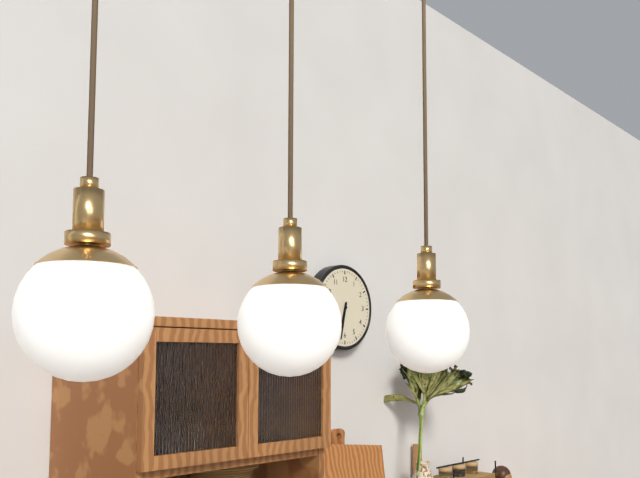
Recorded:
6.32
